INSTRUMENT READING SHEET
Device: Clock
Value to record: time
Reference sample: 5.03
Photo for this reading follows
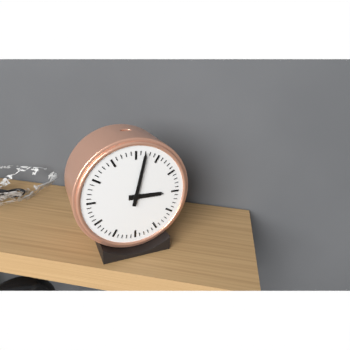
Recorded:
3.02
